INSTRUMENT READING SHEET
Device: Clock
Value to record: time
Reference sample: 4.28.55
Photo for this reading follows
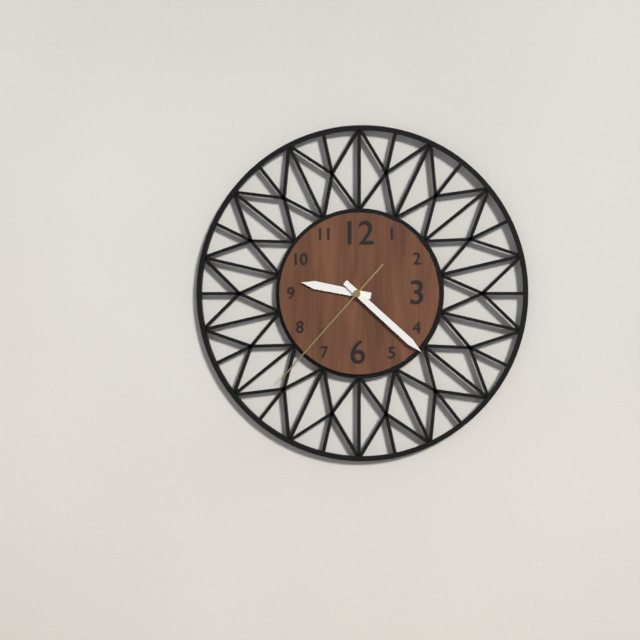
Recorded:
9.22.37
